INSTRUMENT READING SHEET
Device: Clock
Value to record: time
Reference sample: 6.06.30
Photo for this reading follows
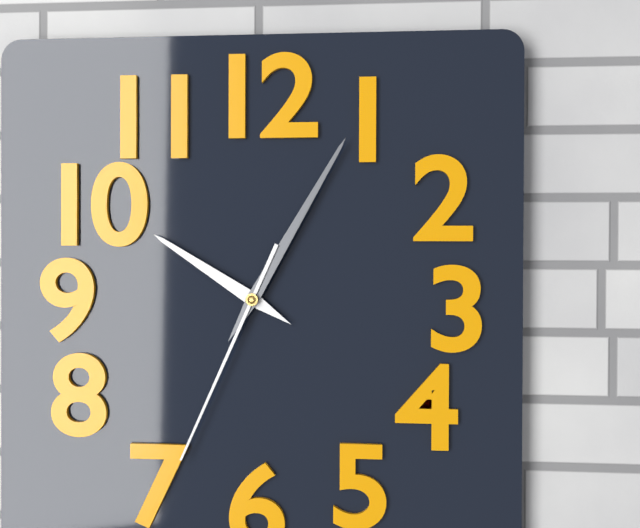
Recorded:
10.05.34
